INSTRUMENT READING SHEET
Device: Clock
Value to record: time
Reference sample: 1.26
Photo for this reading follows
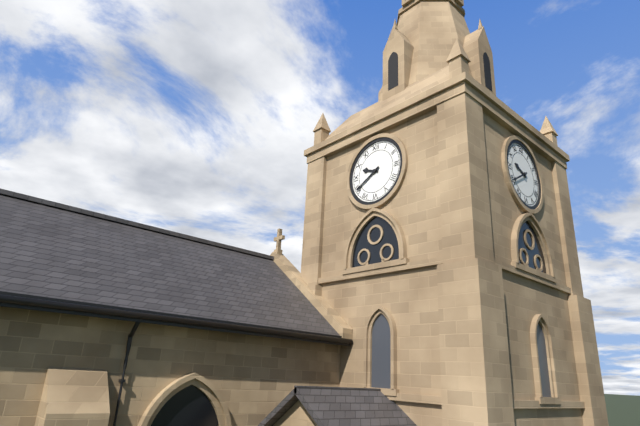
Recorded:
9.40
